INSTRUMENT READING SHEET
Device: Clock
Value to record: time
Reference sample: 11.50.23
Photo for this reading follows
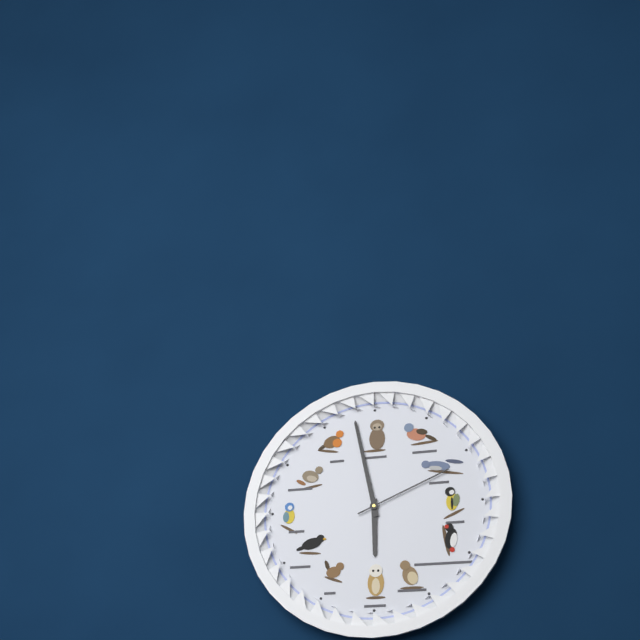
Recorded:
5.58.11
